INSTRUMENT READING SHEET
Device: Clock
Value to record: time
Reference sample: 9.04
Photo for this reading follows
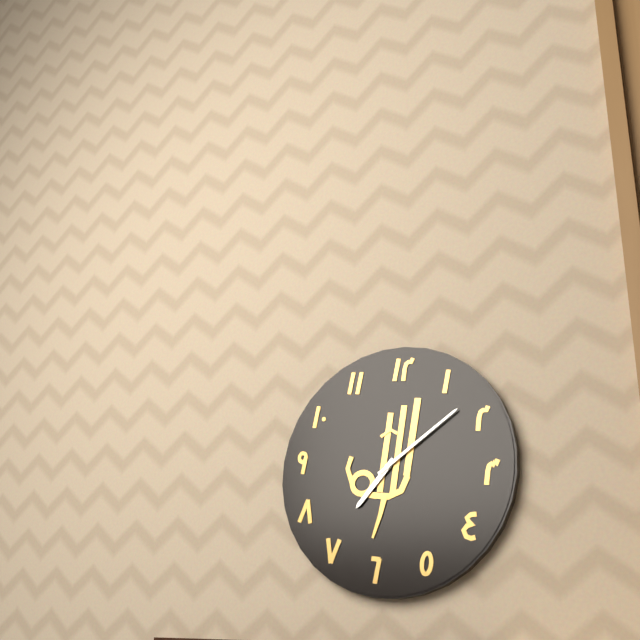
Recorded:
7.08
